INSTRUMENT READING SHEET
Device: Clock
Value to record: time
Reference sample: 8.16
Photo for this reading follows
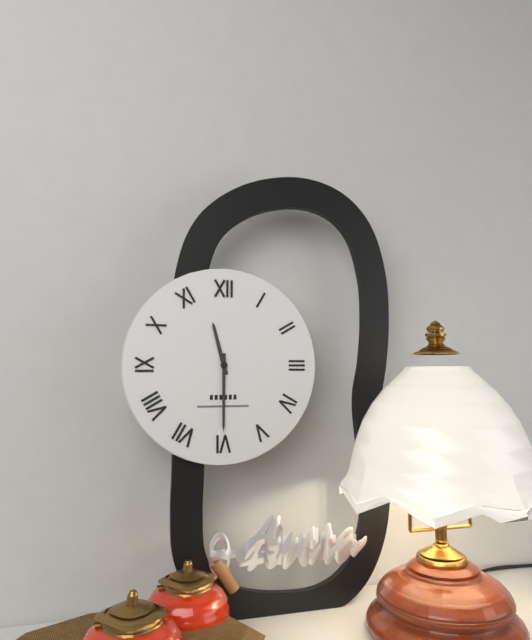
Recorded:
11.30
